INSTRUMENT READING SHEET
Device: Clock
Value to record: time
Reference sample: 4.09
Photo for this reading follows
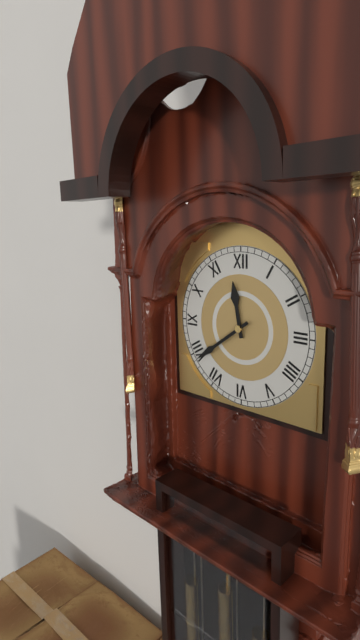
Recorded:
11.39
